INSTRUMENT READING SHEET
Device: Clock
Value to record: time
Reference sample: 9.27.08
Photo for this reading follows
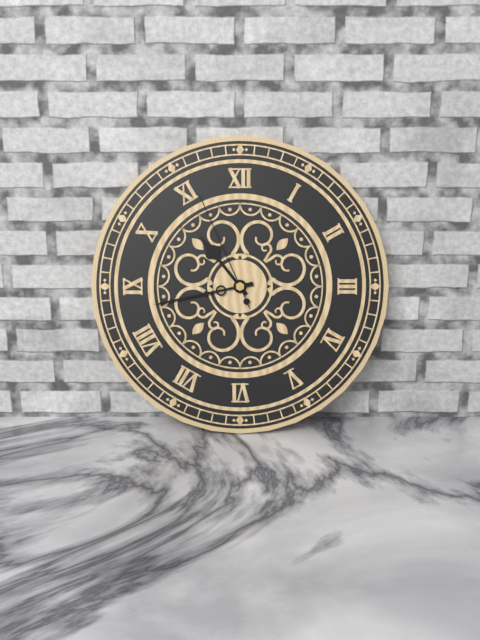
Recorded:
10.43.56
